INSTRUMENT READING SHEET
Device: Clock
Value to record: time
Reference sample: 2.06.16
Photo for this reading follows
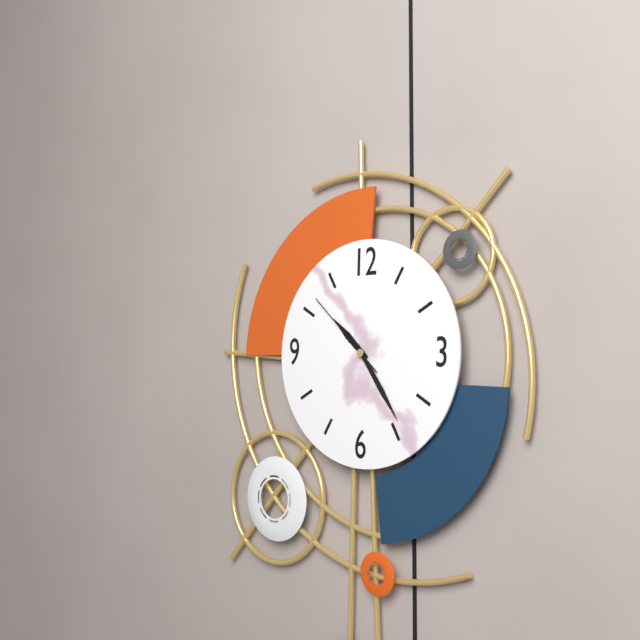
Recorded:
10.24.52
